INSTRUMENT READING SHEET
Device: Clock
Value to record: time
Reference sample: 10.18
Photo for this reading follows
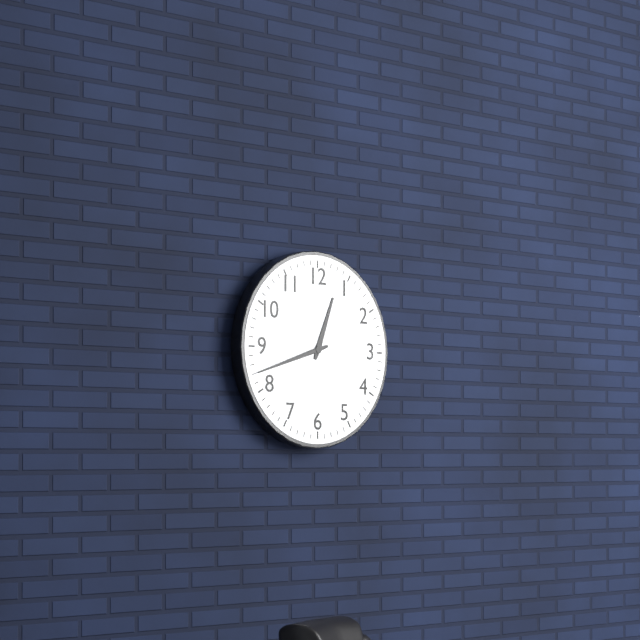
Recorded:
12.42
